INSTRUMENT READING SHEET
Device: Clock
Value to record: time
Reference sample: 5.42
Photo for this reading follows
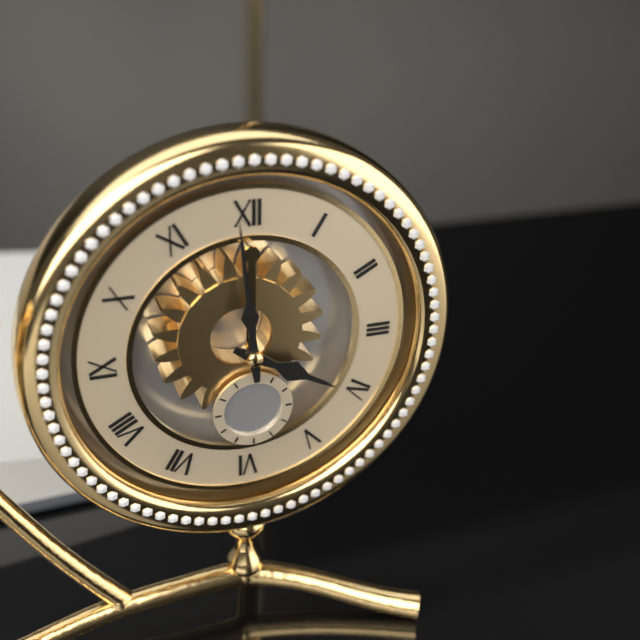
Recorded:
3.59
